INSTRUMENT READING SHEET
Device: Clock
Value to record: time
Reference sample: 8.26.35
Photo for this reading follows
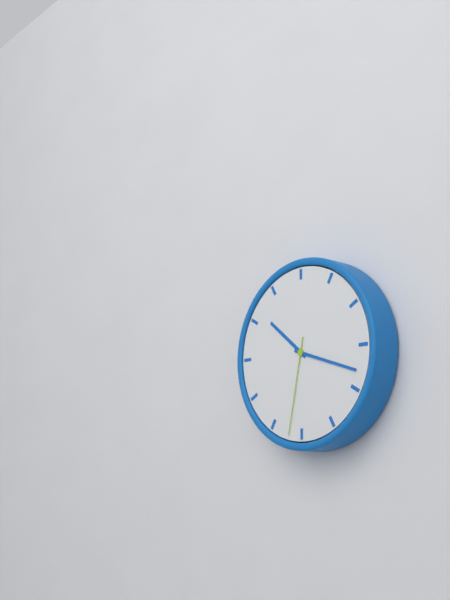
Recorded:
10.18.32
